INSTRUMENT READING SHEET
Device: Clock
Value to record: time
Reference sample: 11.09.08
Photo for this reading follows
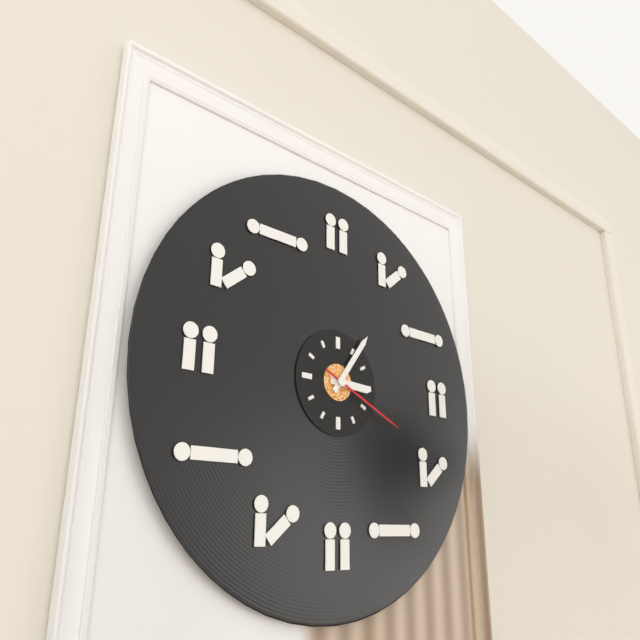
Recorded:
3.06.19
